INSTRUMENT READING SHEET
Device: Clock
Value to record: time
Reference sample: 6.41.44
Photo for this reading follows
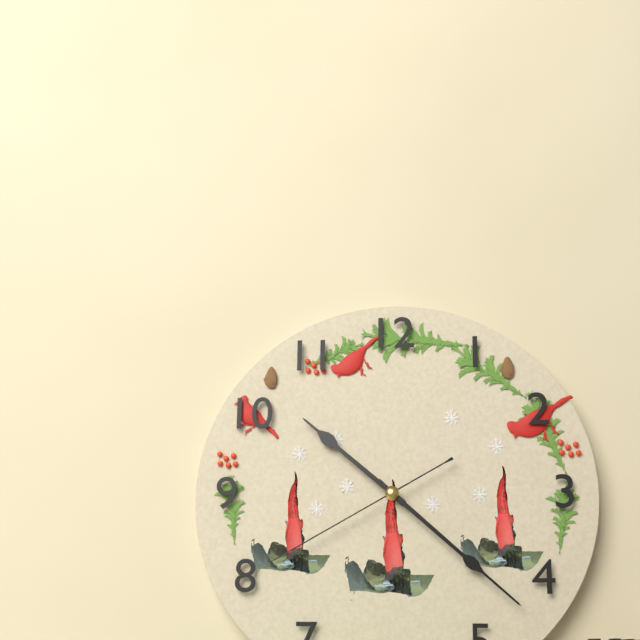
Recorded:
10.22.40
